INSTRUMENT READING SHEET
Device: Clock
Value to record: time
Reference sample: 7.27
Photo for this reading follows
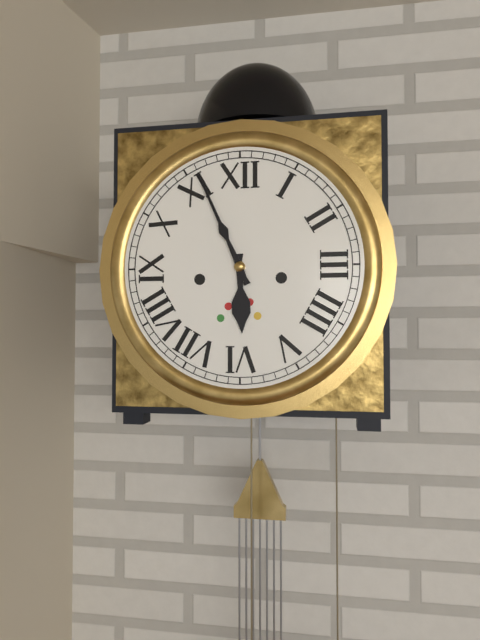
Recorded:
5.56
